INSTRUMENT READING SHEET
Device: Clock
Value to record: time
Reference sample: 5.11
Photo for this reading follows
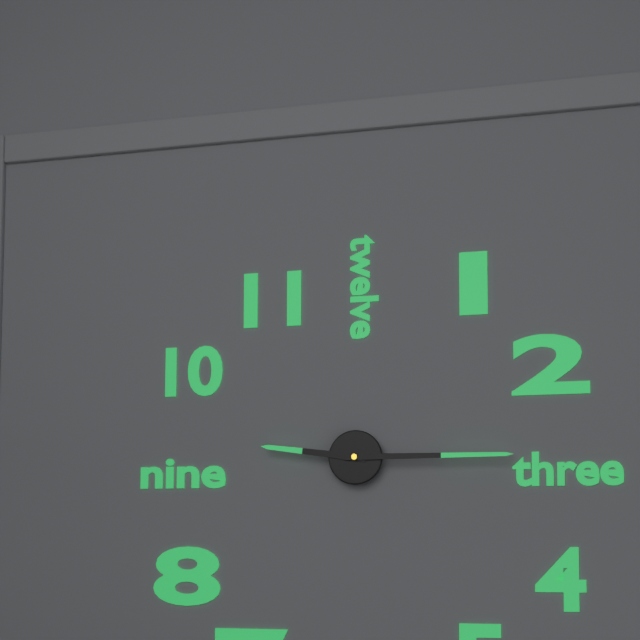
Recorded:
9.15
